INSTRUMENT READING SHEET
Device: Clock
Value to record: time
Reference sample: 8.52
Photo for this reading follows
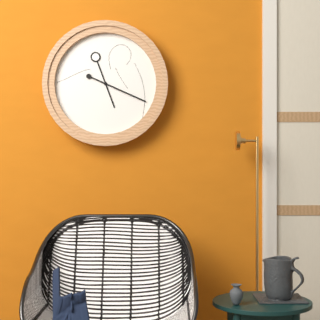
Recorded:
5.19
